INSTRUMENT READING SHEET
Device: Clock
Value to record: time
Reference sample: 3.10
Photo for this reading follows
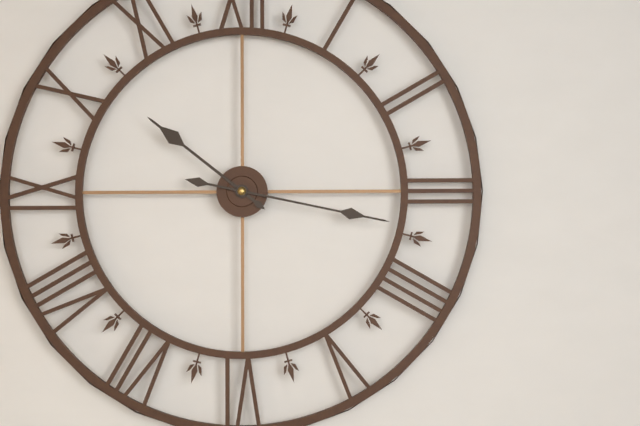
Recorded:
10.17
